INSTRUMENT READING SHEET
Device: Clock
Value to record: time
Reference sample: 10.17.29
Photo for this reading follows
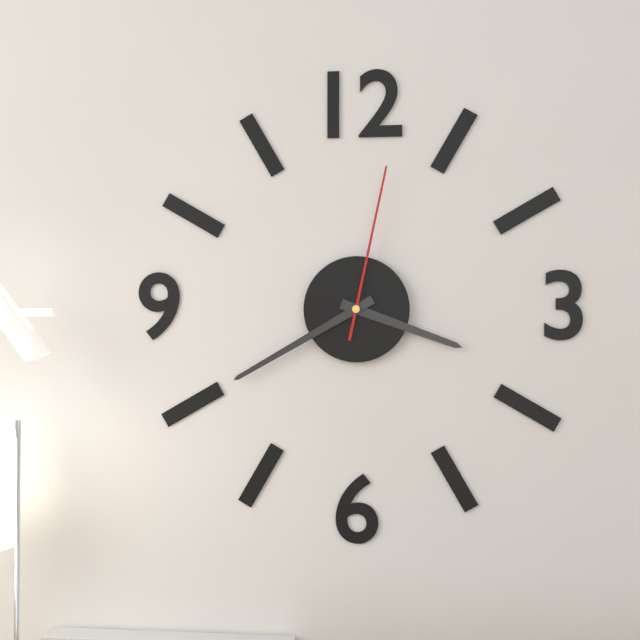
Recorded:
3.40.02
